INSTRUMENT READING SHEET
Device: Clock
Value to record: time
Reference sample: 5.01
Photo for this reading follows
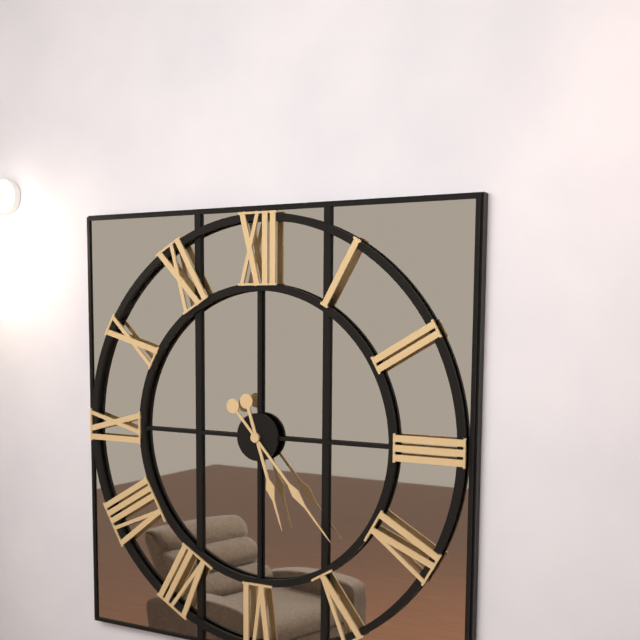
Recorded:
5.23
